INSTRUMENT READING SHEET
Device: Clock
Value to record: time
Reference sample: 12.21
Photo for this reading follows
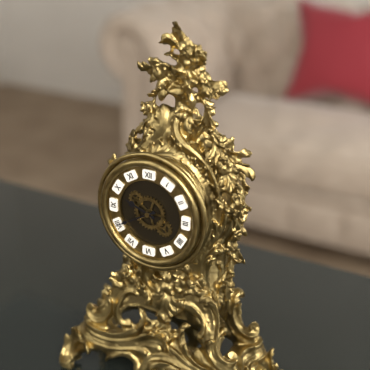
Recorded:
9.40
